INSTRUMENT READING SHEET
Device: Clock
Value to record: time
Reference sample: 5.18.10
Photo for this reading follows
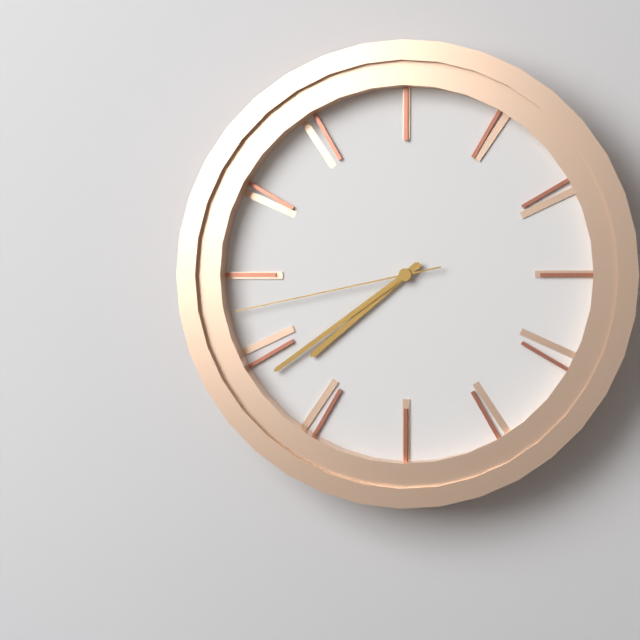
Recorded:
7.39.43
